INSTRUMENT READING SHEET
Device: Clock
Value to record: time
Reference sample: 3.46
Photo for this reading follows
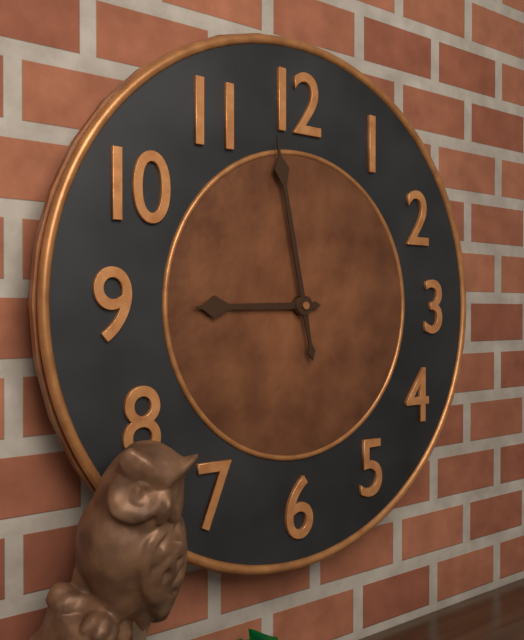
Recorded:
8.58
